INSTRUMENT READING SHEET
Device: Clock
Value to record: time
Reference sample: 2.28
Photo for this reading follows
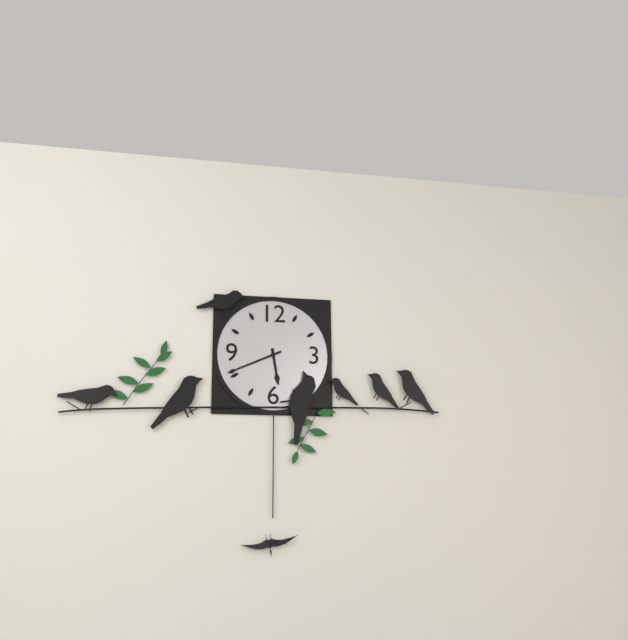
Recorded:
5.41
